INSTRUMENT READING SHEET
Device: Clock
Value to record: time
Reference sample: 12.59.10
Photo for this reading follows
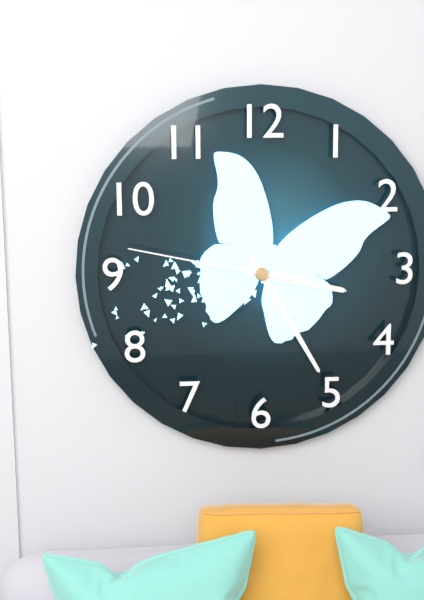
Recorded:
3.25.47
